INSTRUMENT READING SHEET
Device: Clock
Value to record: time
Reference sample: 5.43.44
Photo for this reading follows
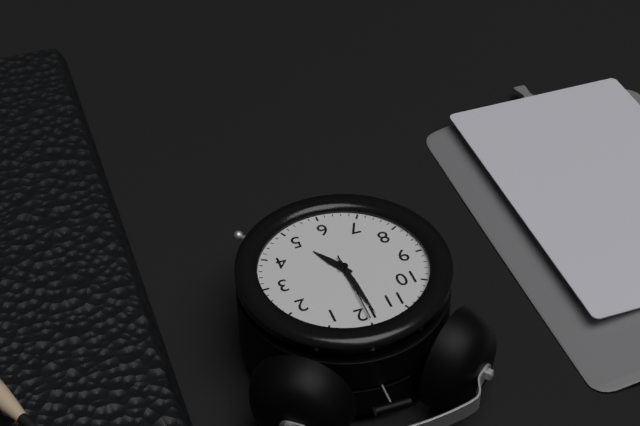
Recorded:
4.59.00
